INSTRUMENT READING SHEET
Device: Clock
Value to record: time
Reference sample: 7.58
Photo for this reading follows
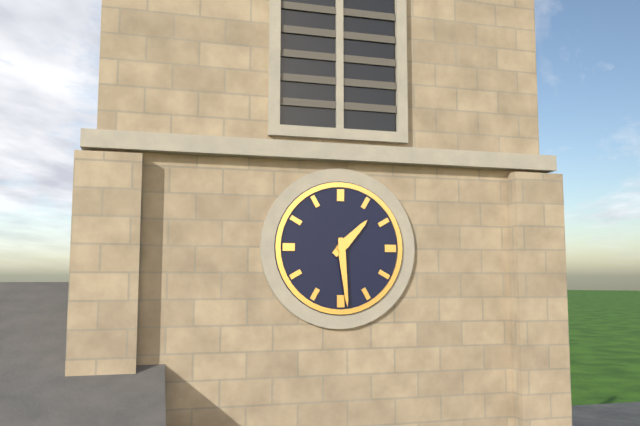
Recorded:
1.29
